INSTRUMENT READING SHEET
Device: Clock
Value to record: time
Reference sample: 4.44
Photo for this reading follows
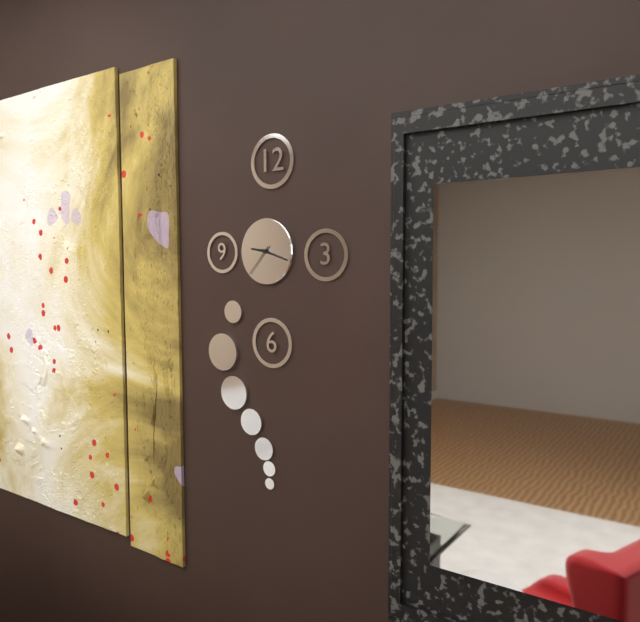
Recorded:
9.18
